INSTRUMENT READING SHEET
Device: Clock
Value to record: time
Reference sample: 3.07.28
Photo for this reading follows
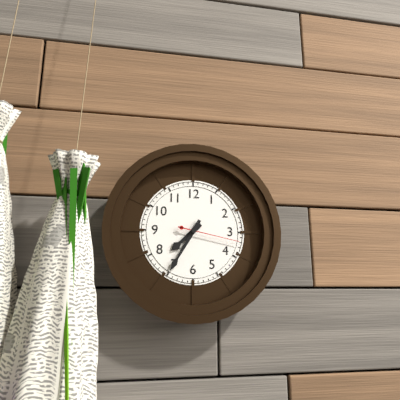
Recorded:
7.35.17
